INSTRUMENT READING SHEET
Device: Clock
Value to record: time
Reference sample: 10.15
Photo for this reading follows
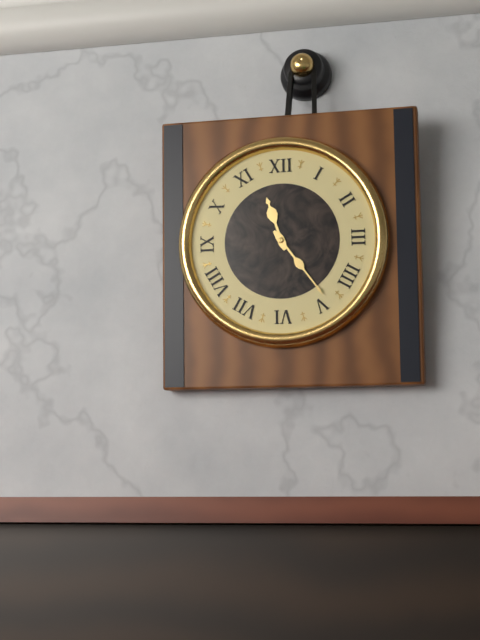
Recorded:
11.24
